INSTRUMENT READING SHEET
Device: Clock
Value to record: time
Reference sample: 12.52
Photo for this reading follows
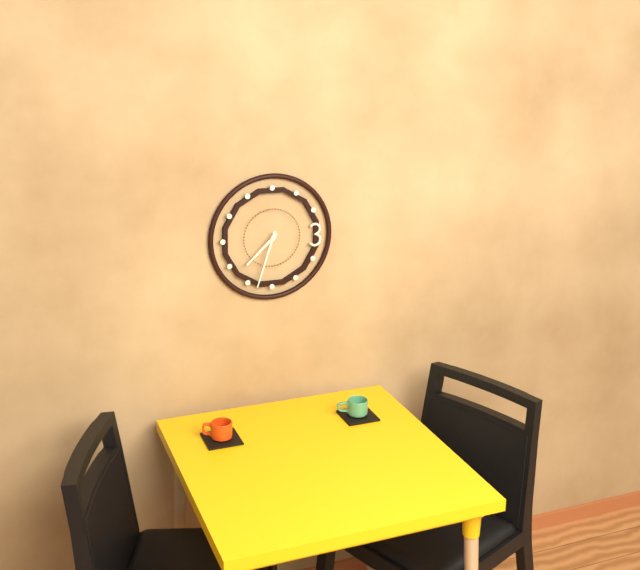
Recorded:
7.33
